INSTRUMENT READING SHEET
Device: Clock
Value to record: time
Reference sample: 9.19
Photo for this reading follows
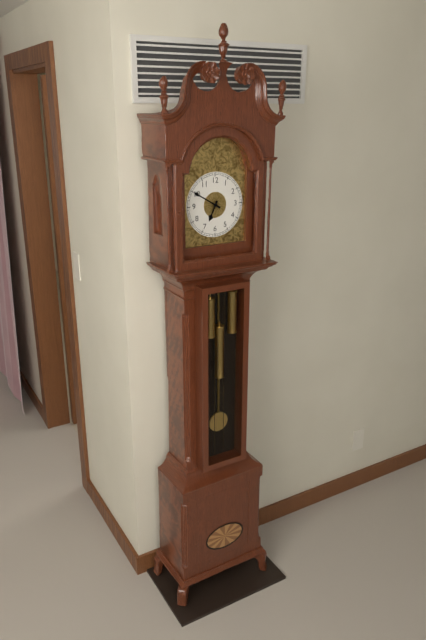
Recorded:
6.50
